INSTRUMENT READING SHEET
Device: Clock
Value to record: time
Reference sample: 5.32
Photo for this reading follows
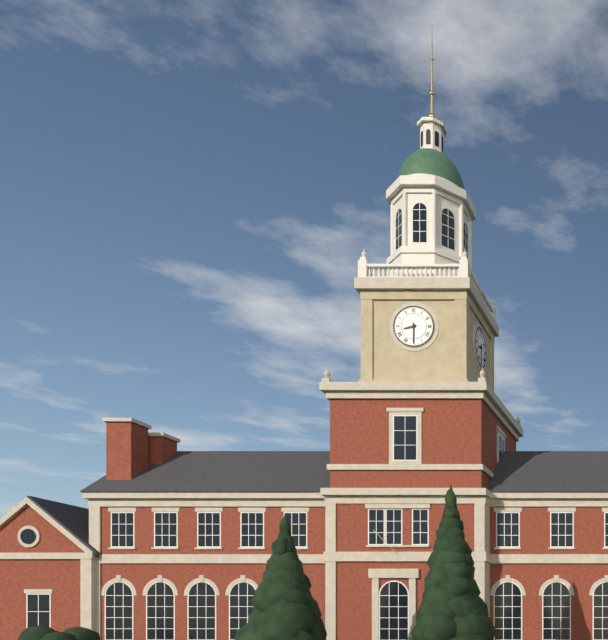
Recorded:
8.30
